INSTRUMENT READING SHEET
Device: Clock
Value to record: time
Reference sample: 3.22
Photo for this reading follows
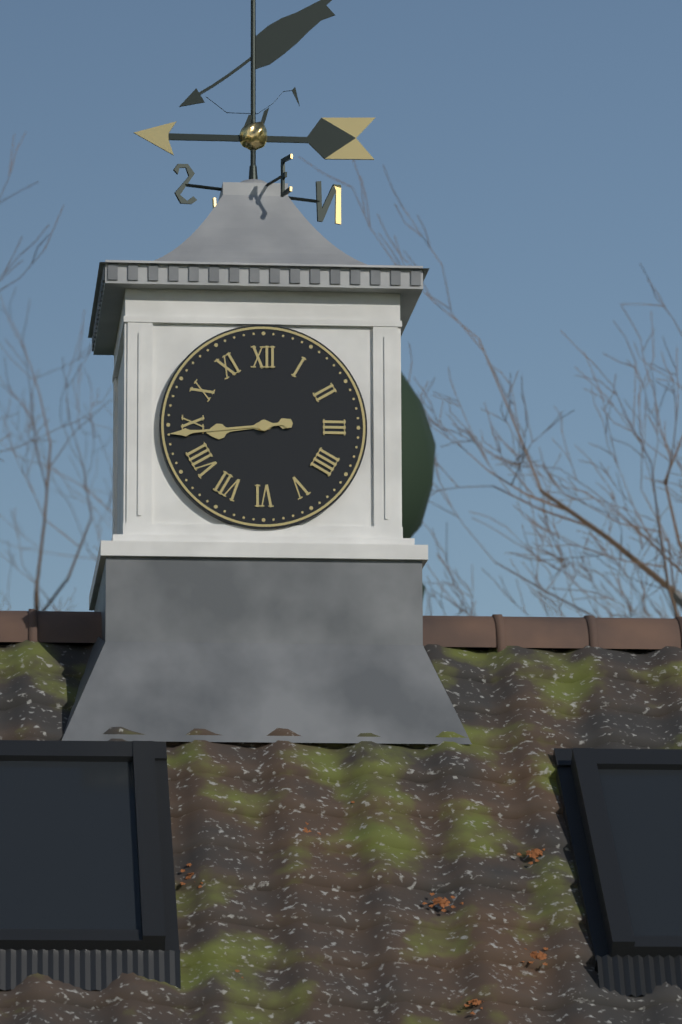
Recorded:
8.44
